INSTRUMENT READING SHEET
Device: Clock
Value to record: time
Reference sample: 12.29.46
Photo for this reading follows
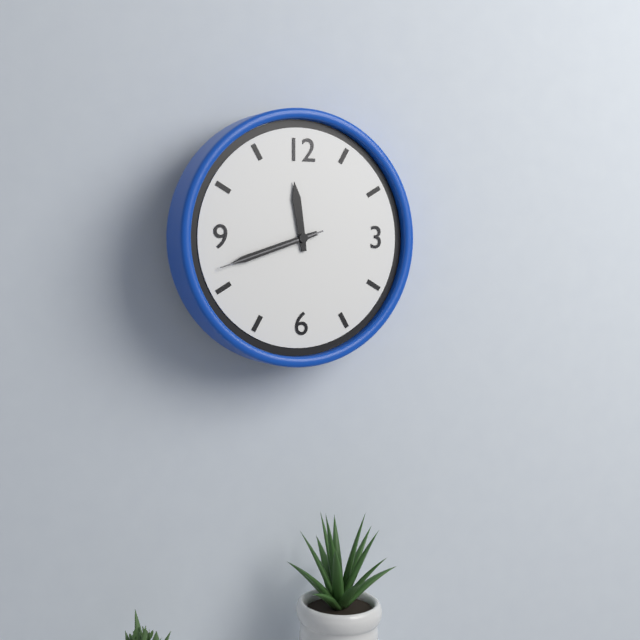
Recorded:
11.42.42
